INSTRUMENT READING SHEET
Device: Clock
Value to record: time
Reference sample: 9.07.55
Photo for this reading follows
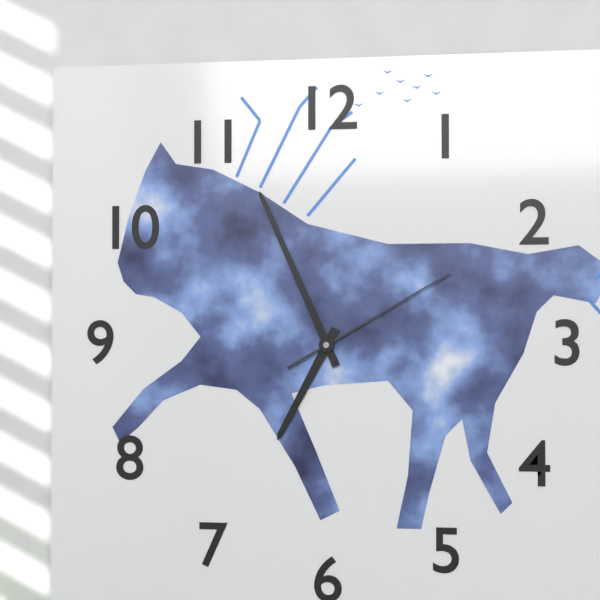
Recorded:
6.56.10
